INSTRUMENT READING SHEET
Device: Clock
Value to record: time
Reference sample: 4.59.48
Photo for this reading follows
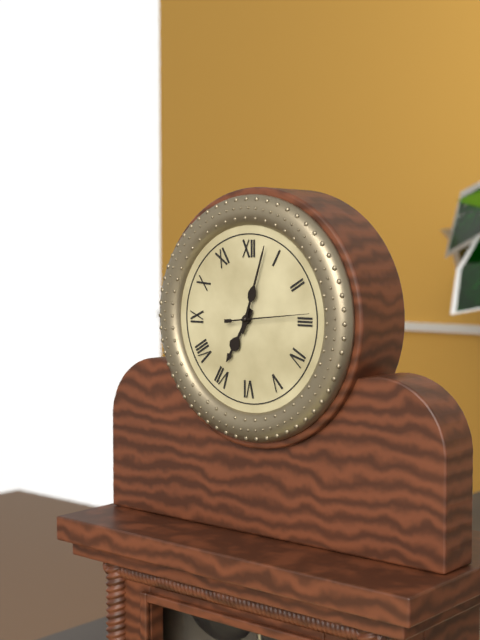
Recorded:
7.03.14
